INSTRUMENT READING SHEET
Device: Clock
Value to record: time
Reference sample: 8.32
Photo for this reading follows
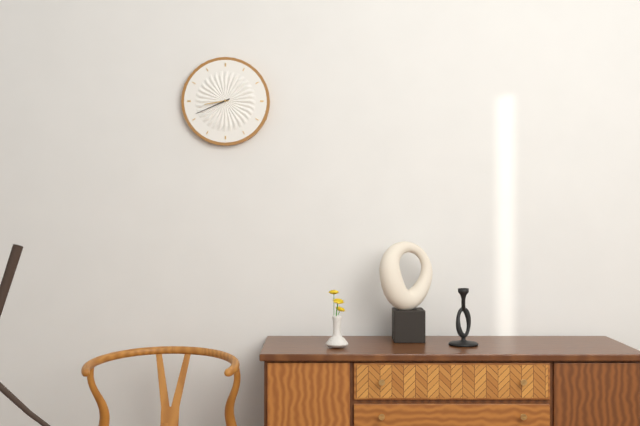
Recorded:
8.41
